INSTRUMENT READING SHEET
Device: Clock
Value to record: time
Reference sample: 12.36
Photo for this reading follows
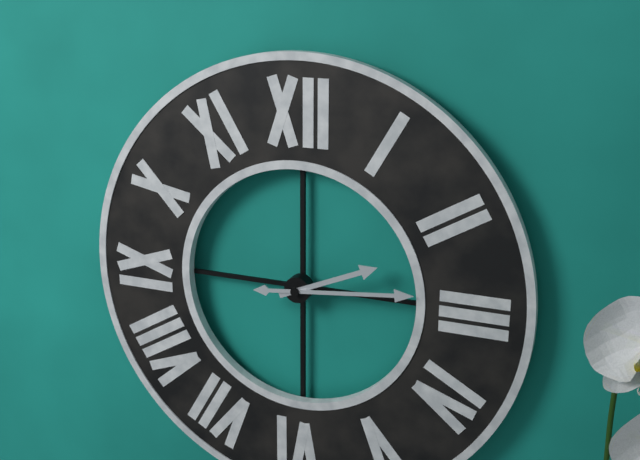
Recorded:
2.14
